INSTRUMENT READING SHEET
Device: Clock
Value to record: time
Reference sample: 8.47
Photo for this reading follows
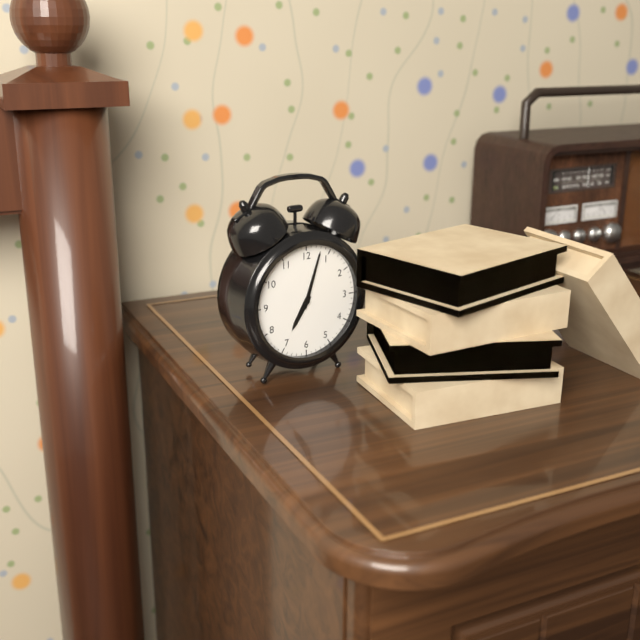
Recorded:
7.03
